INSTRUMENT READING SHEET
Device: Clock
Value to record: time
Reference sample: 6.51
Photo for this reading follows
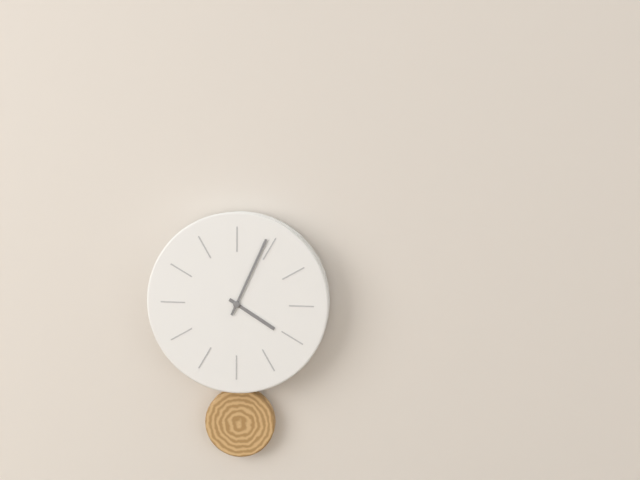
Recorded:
4.04
